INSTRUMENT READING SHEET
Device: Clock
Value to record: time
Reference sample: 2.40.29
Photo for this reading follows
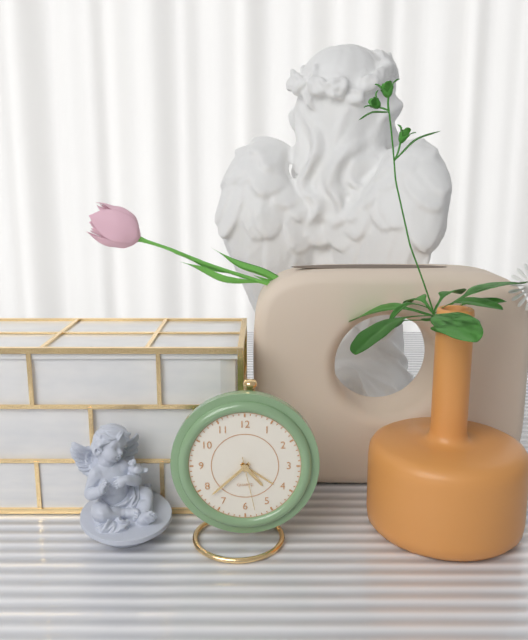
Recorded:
4.38.28
